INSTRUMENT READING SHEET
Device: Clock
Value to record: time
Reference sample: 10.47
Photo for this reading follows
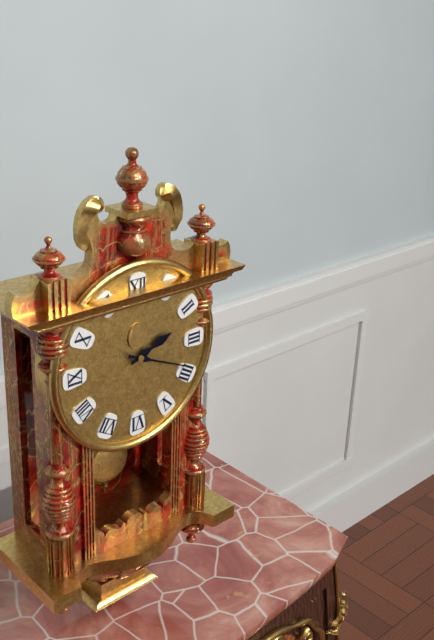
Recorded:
2.19
